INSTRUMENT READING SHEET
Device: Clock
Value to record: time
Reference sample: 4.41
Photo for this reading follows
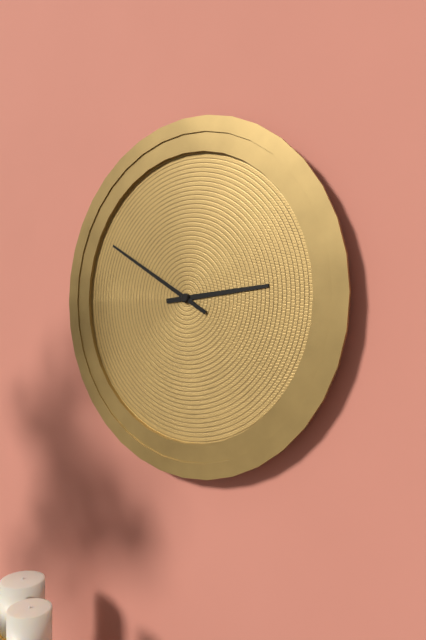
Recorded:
2.50
